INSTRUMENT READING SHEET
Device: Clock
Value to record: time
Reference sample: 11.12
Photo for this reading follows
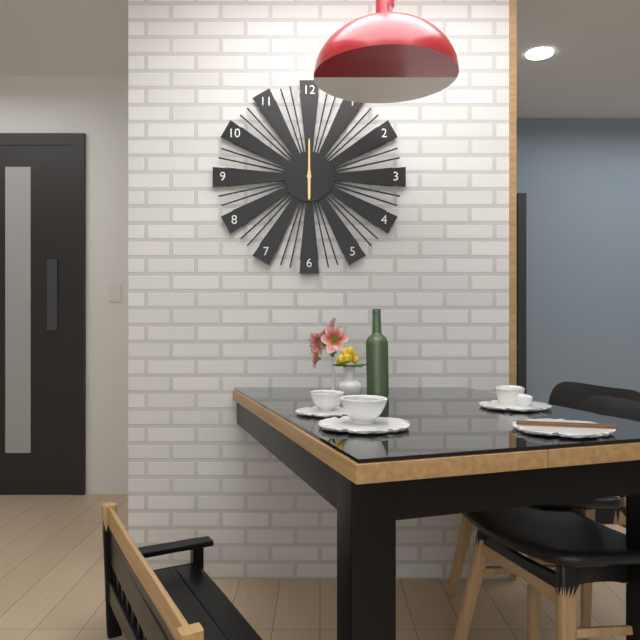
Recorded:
6.00
